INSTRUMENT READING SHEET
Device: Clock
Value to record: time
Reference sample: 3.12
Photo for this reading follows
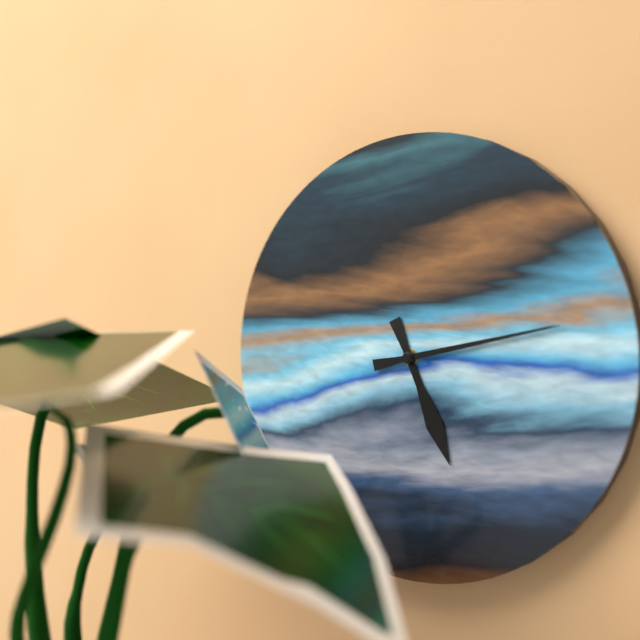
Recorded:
5.13
